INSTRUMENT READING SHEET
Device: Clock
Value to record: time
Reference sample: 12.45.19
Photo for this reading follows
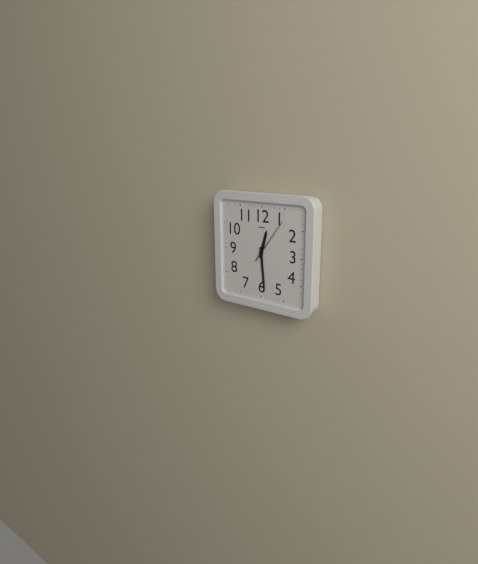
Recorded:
12.29.06
